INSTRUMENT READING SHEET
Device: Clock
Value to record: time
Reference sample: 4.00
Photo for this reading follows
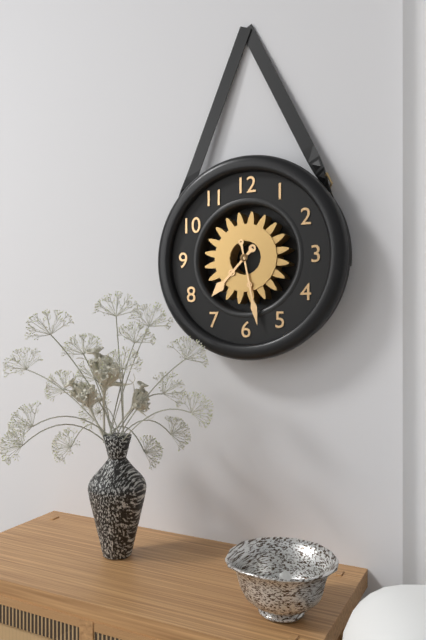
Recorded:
7.28
